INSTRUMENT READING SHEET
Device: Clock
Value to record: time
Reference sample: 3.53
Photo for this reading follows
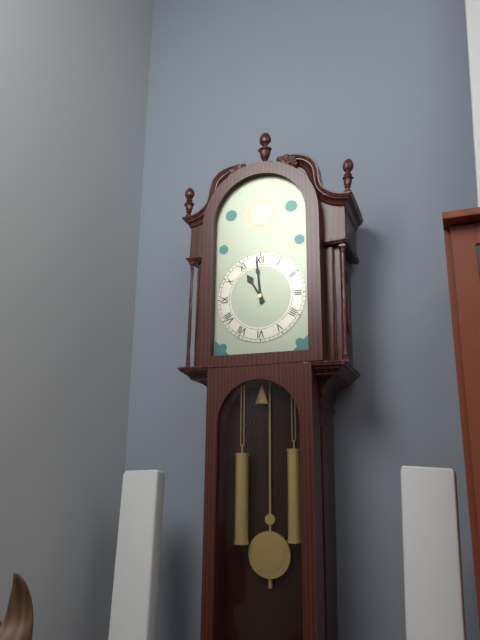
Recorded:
10.59
